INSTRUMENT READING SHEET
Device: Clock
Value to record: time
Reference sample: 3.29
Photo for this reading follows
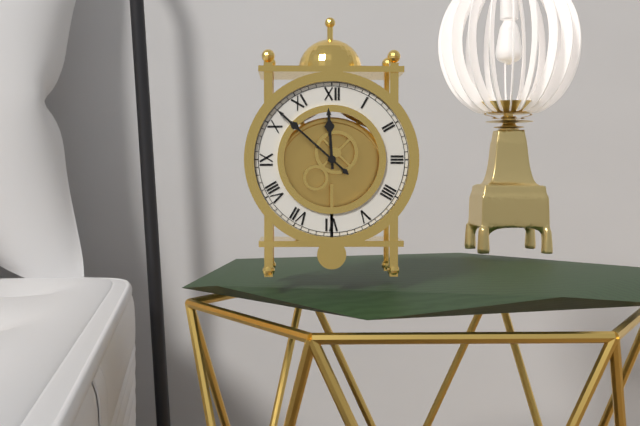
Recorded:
11.52
